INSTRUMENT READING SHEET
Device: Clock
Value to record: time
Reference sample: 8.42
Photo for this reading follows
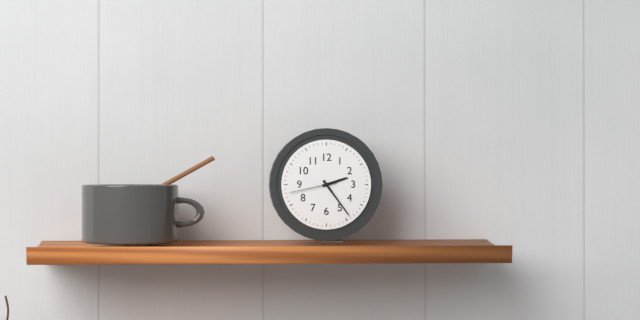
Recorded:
2.24
